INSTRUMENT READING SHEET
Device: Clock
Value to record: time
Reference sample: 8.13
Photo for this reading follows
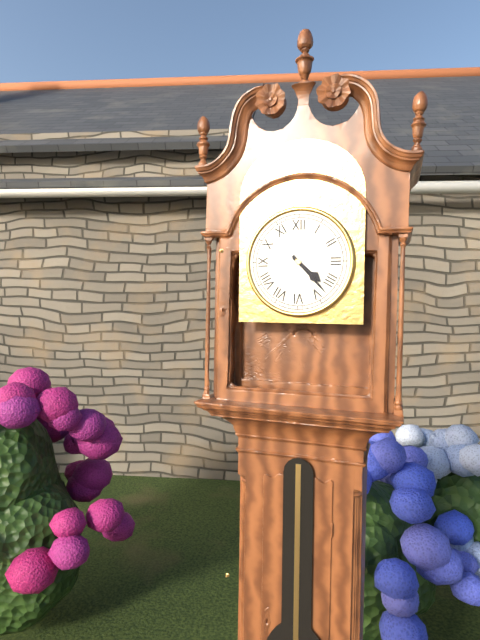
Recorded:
4.23
